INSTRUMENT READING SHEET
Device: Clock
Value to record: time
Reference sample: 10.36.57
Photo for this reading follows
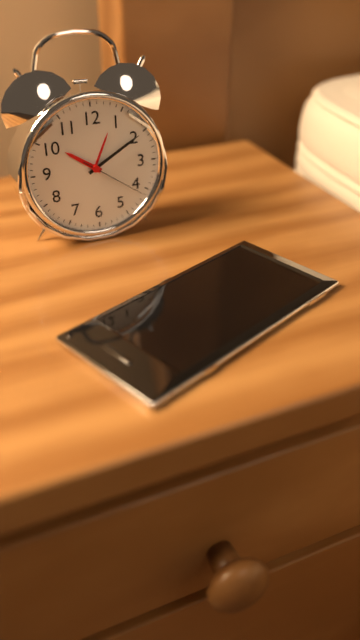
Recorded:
10.10.21
